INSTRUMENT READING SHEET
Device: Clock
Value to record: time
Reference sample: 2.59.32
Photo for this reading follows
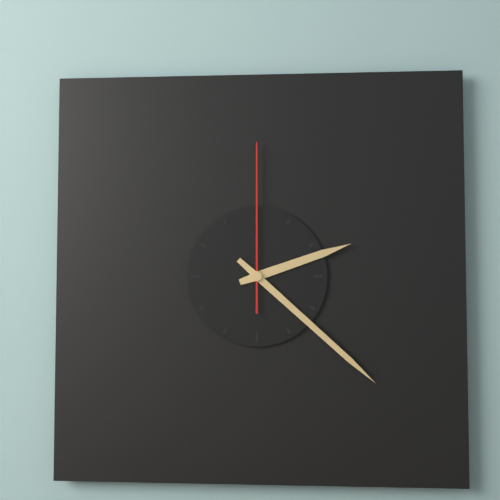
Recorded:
2.22.00
